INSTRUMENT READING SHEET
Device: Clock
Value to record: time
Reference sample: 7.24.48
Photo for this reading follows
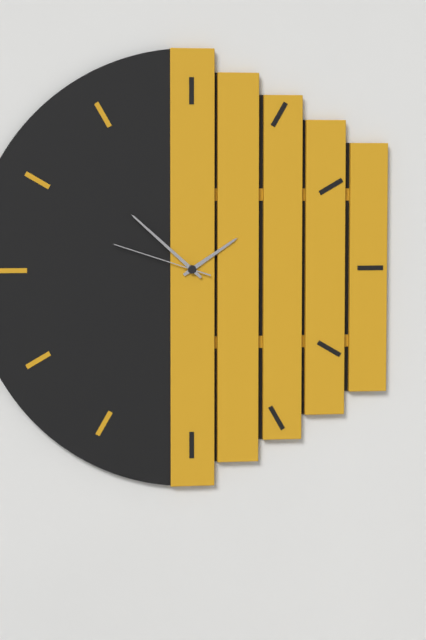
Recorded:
1.52.48
